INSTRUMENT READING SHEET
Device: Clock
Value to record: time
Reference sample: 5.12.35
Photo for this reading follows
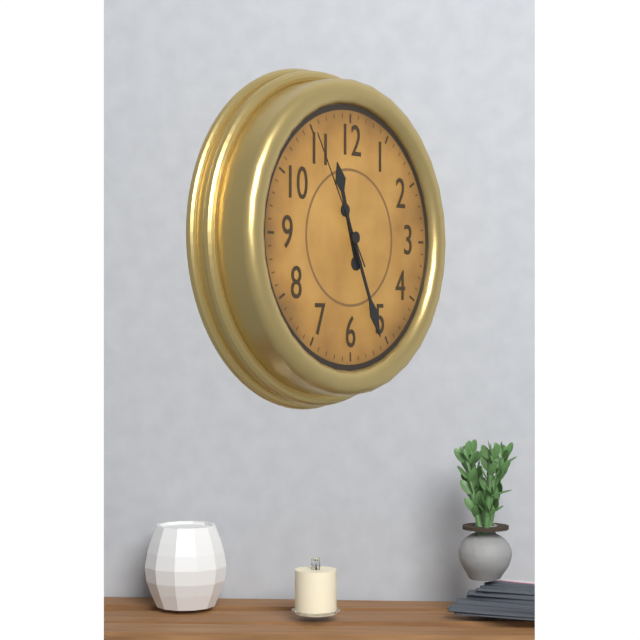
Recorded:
11.26.55
